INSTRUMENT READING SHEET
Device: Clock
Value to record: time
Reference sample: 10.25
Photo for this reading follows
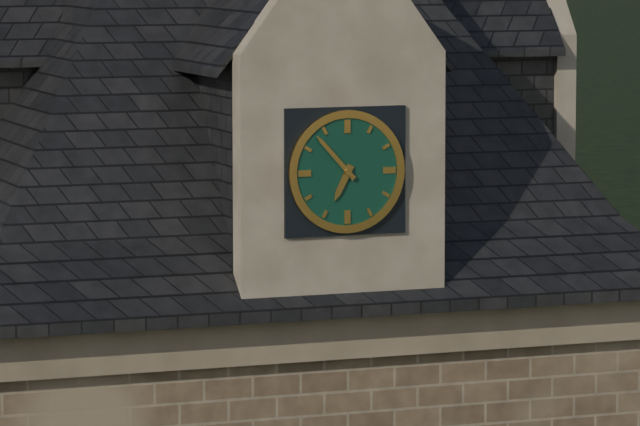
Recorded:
6.53
